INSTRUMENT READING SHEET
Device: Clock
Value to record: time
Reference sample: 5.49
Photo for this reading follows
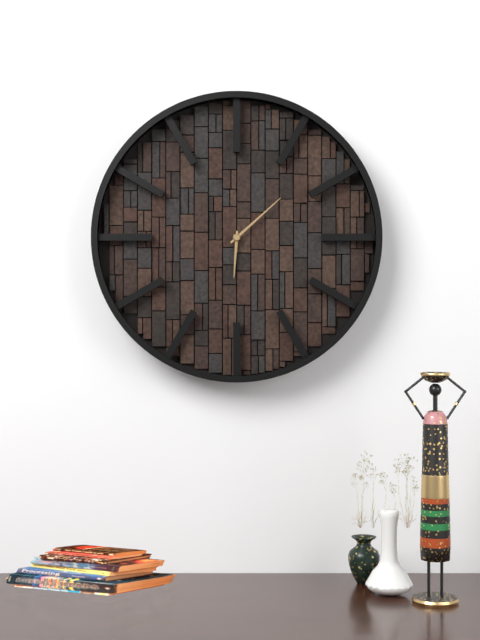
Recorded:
6.08
